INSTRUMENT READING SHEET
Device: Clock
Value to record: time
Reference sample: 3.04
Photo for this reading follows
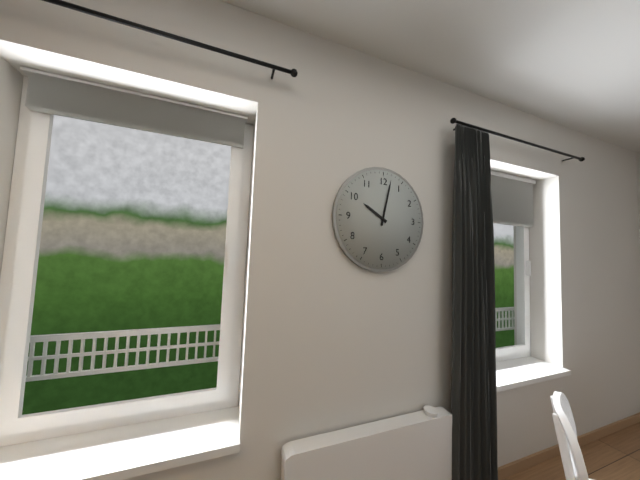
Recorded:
10.02
